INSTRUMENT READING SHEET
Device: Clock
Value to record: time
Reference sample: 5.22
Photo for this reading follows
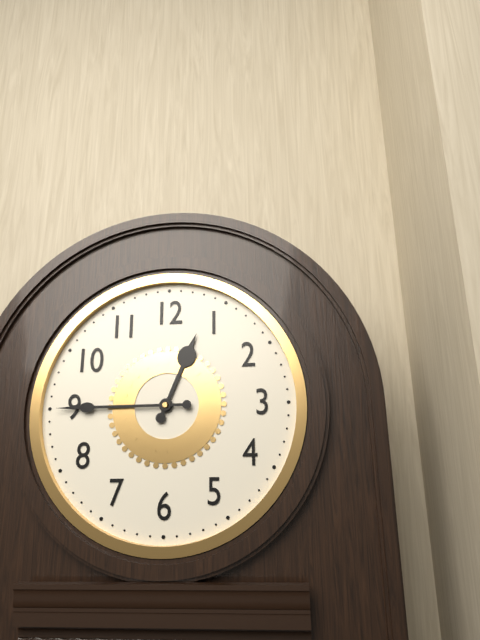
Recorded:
12.45
